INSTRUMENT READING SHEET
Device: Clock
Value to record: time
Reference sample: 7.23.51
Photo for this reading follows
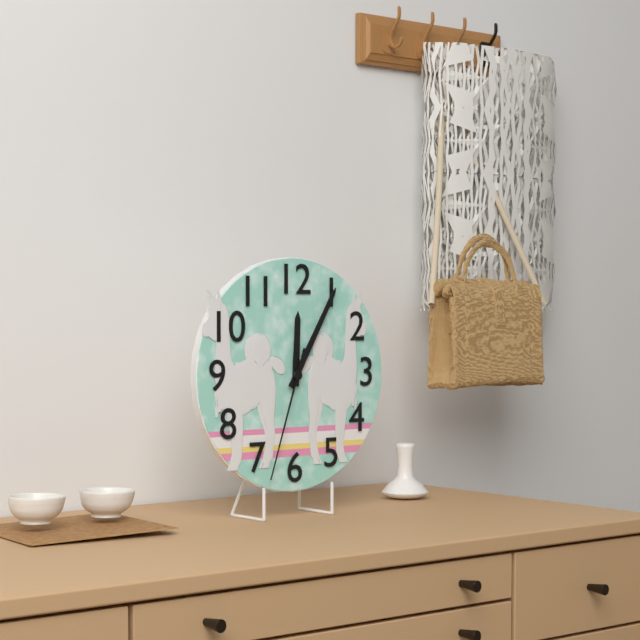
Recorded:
12.05.33
